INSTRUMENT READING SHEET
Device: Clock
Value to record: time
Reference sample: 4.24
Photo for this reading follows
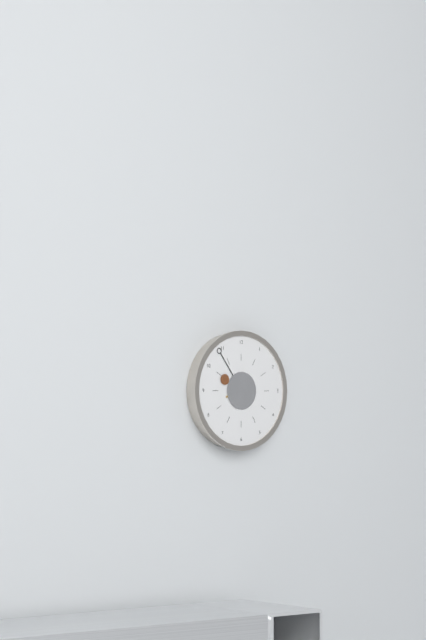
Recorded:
9.54
